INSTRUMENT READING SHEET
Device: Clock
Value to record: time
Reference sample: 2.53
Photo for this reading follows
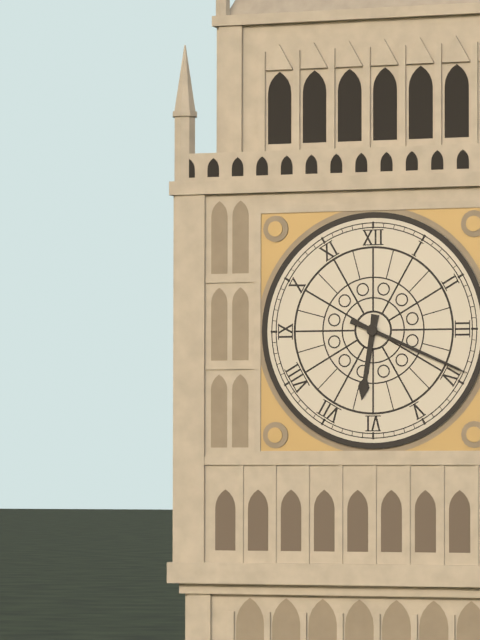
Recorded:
6.19
